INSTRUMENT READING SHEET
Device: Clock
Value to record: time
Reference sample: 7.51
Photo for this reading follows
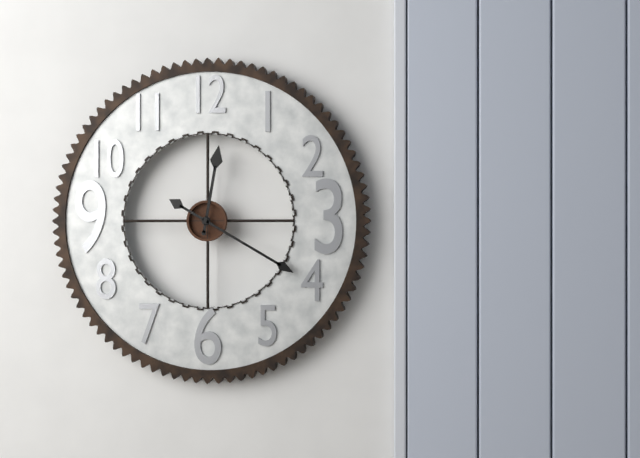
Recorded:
12.20
